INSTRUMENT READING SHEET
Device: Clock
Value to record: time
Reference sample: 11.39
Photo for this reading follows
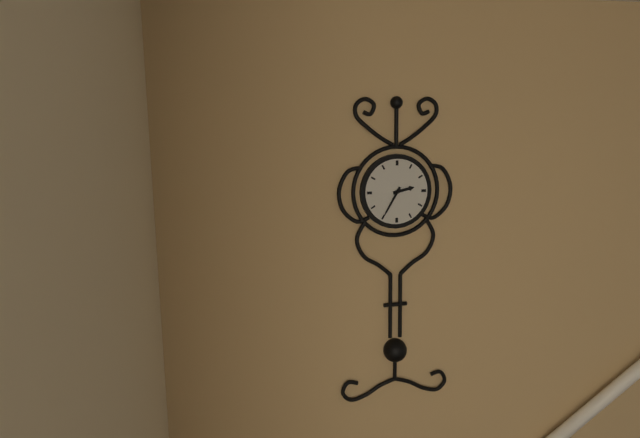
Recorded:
2.35
